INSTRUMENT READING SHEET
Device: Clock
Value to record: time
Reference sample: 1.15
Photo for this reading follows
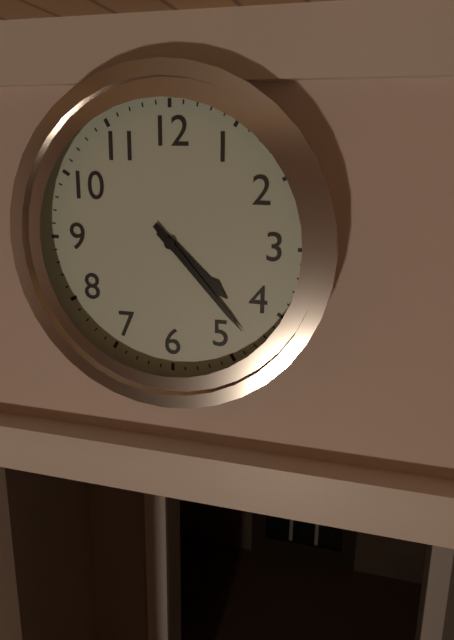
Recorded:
4.23
